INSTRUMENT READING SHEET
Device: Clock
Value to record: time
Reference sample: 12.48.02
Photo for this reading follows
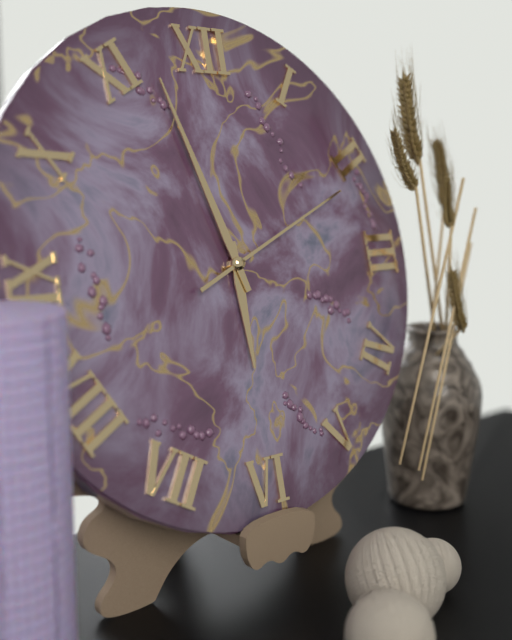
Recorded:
5.57.11
